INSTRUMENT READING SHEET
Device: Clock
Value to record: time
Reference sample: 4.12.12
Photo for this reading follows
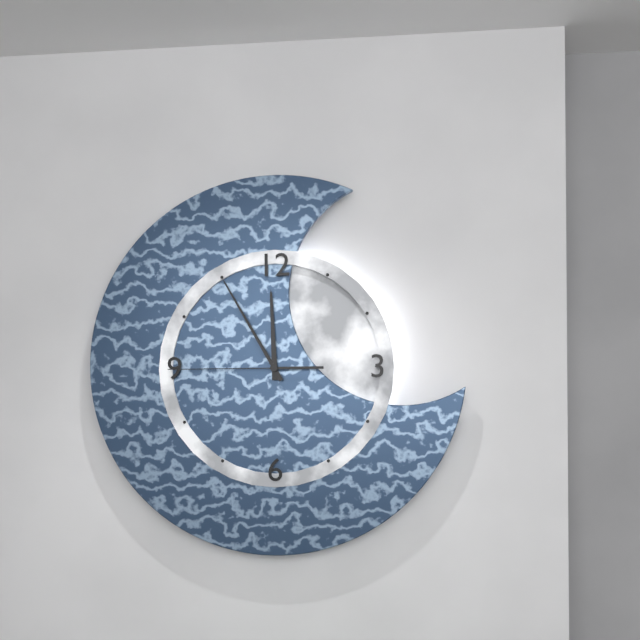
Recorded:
11.55.45
